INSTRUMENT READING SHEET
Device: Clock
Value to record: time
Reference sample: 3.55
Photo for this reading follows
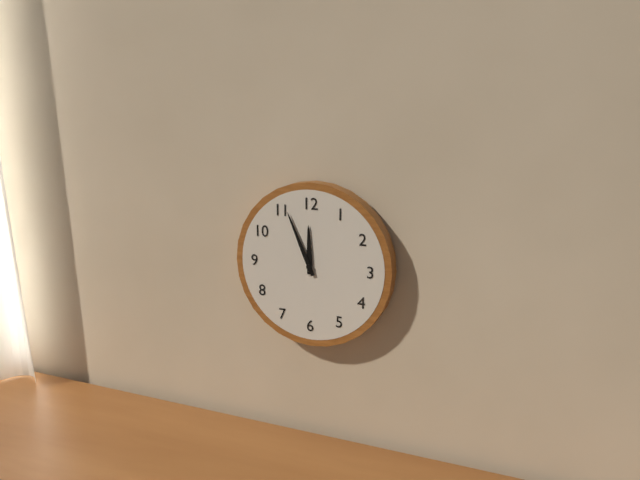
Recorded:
11.56
